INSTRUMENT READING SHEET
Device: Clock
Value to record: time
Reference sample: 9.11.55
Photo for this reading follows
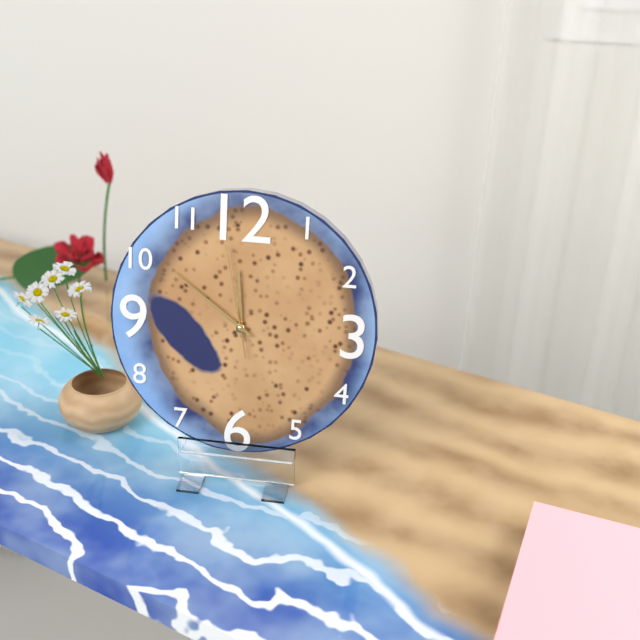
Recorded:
11.51.58
